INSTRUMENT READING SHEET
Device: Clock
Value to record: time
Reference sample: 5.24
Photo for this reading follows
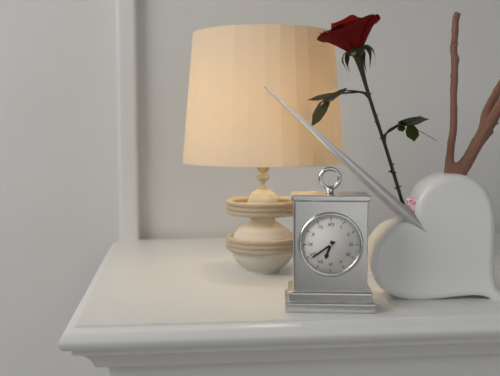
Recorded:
6.39
